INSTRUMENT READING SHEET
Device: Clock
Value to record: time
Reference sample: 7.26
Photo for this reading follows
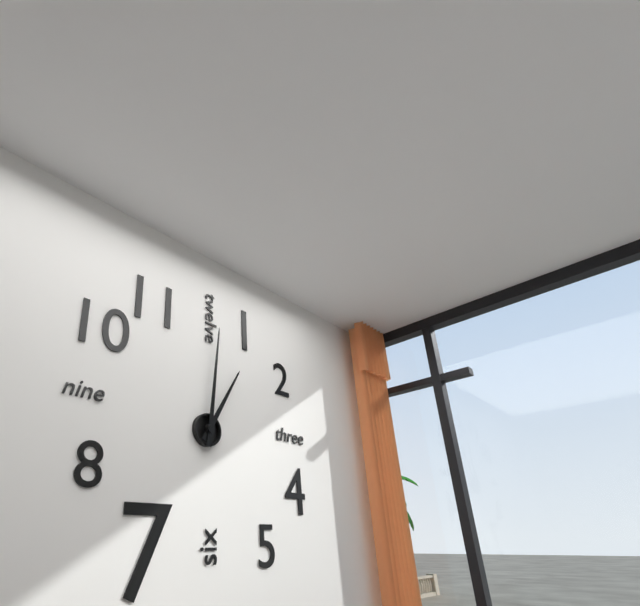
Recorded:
1.01
